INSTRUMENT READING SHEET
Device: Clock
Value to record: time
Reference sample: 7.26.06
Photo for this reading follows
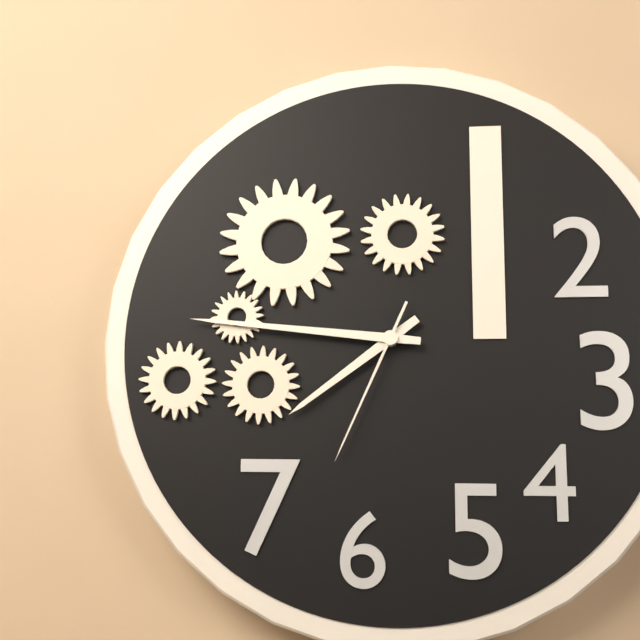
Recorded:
7.46.34
